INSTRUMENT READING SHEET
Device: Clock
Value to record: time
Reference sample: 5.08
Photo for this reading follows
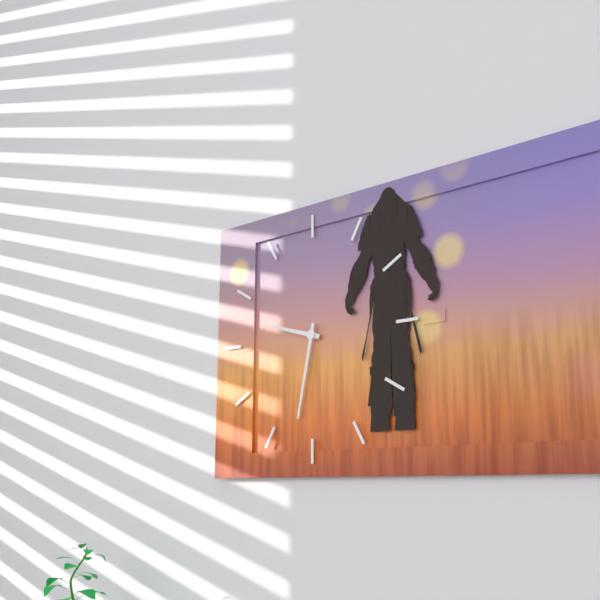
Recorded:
9.32
